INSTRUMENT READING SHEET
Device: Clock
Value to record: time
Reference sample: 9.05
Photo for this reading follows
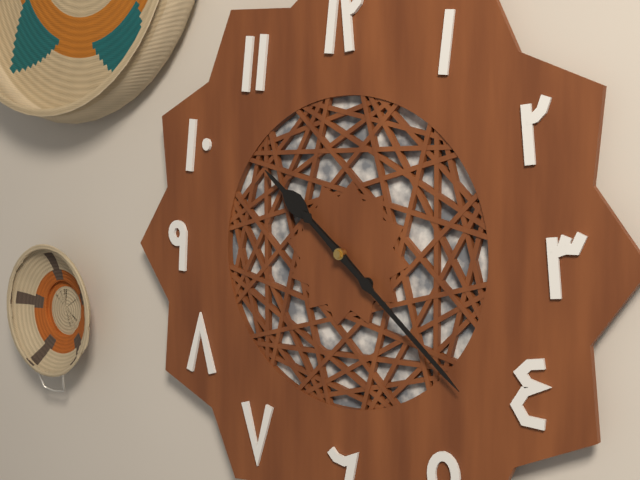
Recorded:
10.22
